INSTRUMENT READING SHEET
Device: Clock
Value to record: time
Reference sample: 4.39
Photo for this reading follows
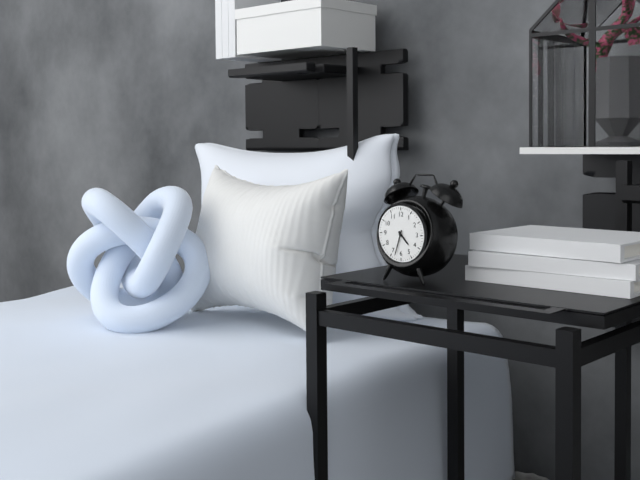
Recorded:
4.33
